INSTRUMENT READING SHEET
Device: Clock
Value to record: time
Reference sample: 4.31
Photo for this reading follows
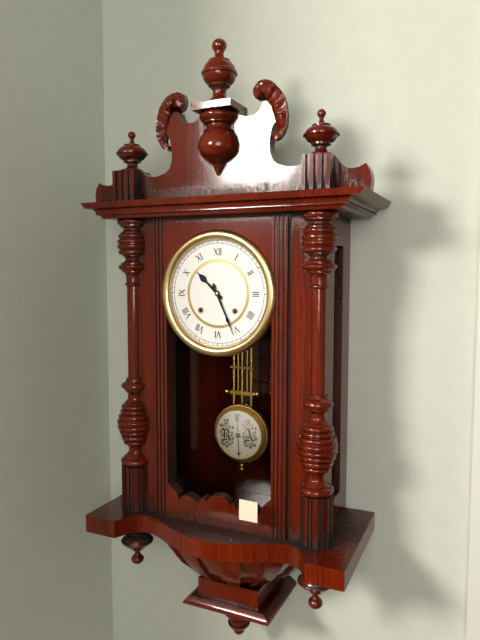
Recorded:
10.26
